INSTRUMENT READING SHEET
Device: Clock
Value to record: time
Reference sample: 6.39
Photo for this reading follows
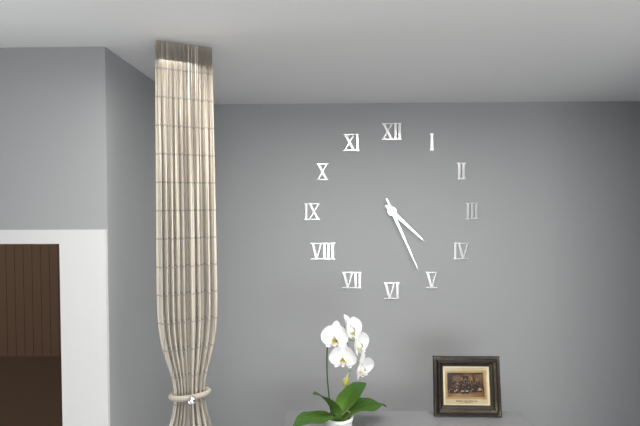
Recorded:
4.26
